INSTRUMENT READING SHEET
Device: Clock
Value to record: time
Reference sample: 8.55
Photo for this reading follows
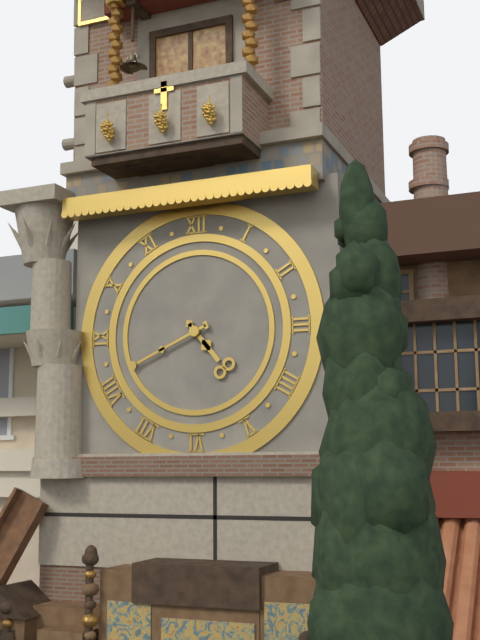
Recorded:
4.41
